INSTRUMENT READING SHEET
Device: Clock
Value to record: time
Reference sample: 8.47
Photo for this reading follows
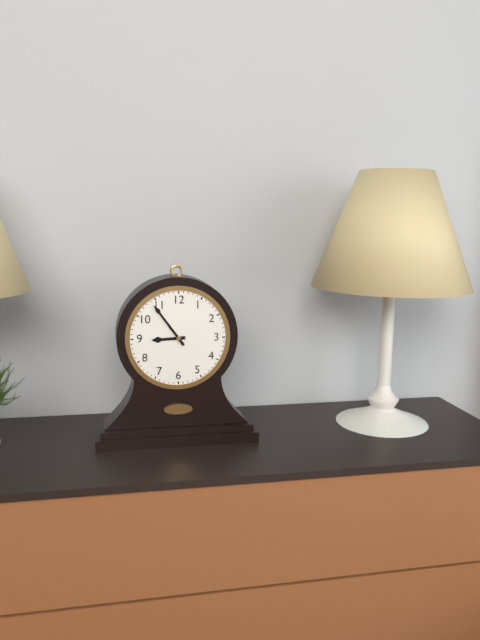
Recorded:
8.54
